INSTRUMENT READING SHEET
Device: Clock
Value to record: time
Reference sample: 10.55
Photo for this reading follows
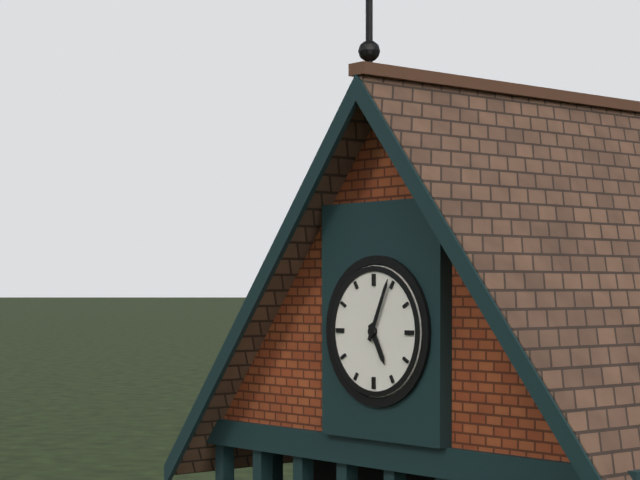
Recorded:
5.04
